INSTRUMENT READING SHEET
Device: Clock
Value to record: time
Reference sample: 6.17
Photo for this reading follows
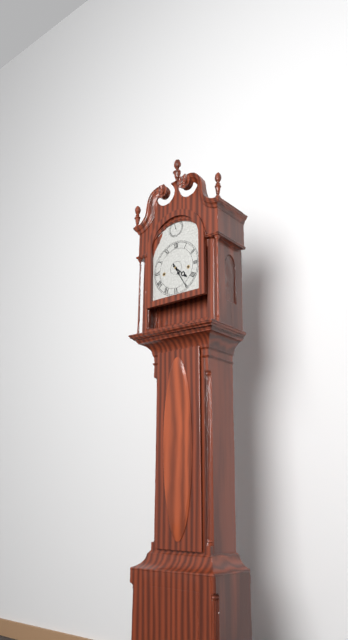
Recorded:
4.25
